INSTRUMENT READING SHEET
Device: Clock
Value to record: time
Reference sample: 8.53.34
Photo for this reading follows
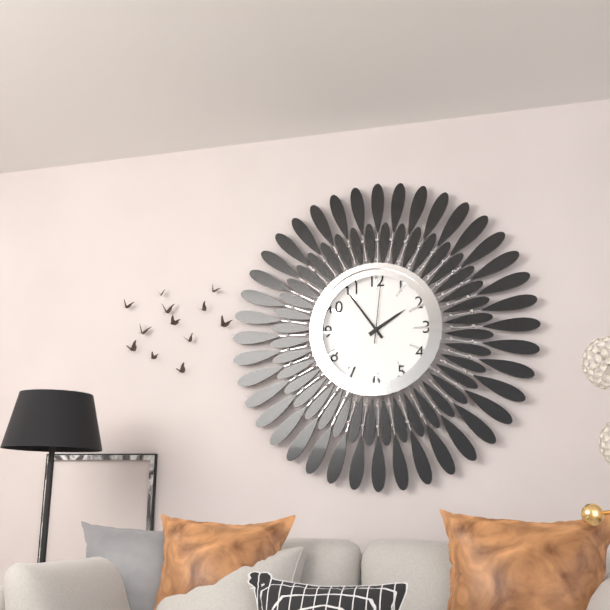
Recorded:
1.54.01
